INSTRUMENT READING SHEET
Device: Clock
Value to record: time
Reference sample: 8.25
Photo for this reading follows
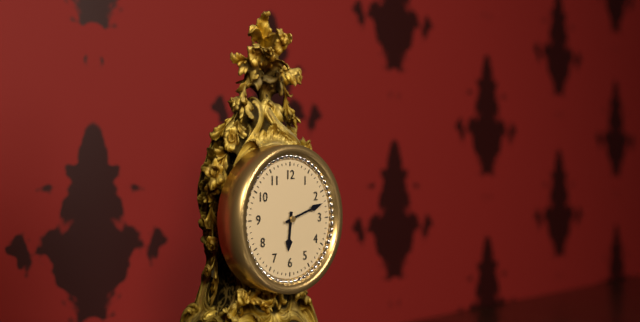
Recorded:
6.12
